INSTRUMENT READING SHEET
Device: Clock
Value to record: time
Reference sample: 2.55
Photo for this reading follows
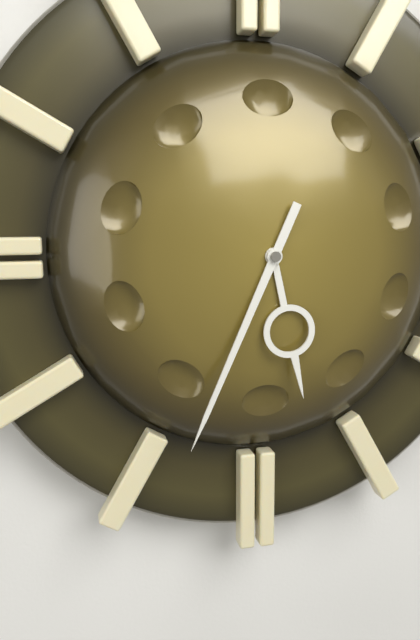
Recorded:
5.34
